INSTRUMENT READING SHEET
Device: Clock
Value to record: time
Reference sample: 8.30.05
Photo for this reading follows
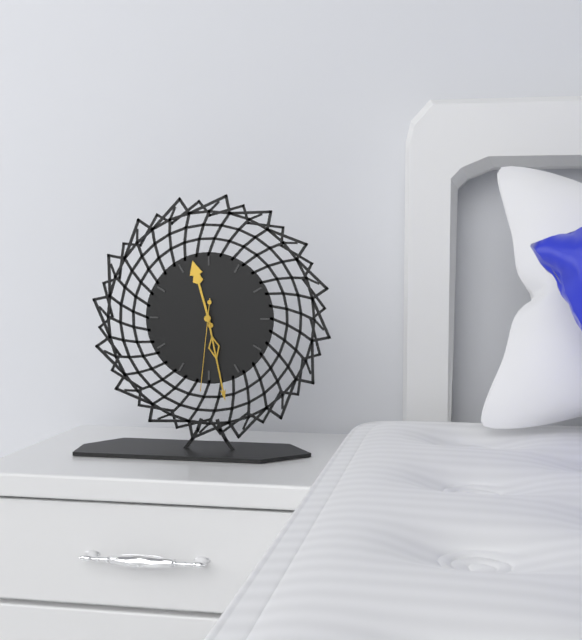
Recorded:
11.28.31
